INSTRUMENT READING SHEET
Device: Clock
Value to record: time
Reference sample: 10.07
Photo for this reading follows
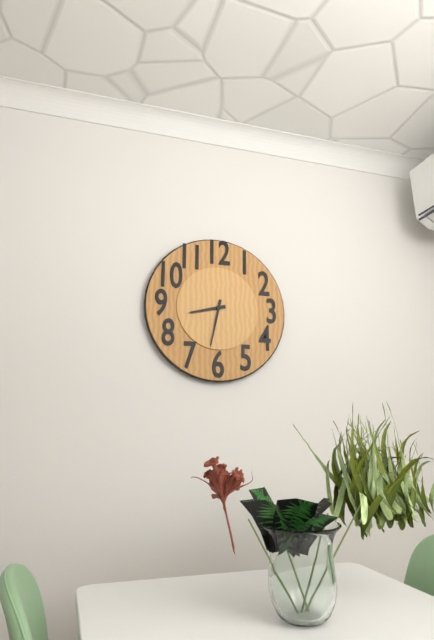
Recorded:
8.32
